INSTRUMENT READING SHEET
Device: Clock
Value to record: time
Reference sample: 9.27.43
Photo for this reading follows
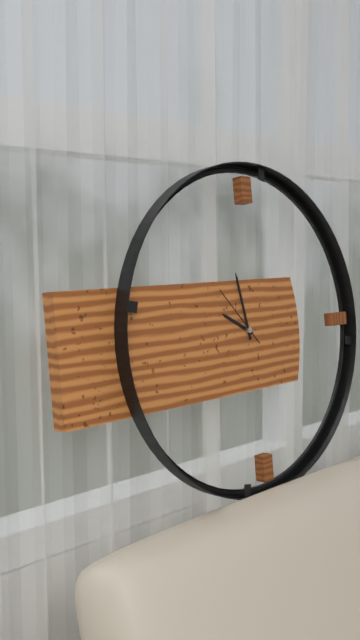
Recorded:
9.58.53
